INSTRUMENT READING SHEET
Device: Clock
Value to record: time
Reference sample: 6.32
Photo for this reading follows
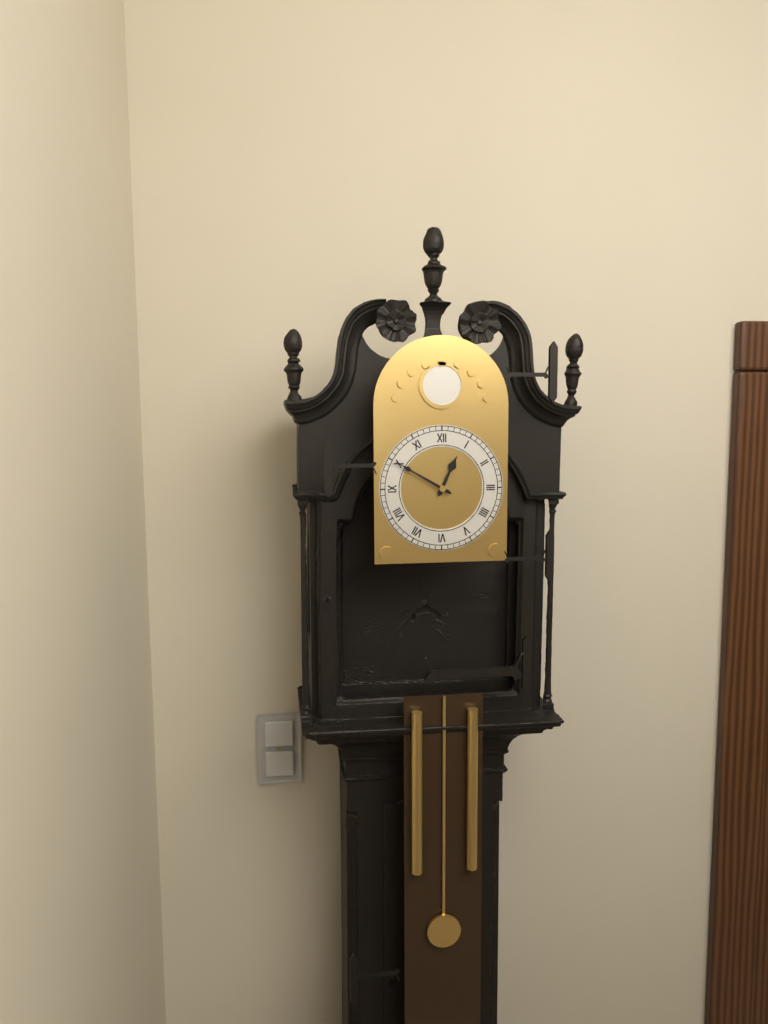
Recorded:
12.50
